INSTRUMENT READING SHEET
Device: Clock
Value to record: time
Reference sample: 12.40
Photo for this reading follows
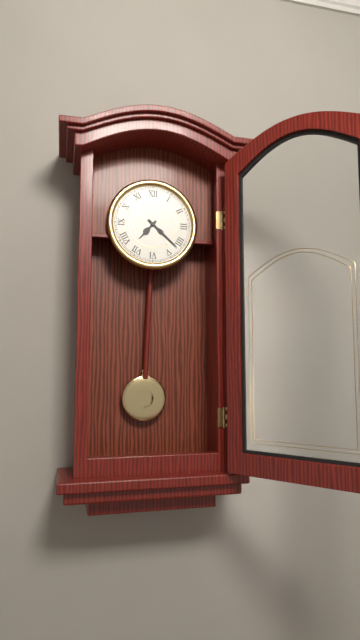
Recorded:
7.22
